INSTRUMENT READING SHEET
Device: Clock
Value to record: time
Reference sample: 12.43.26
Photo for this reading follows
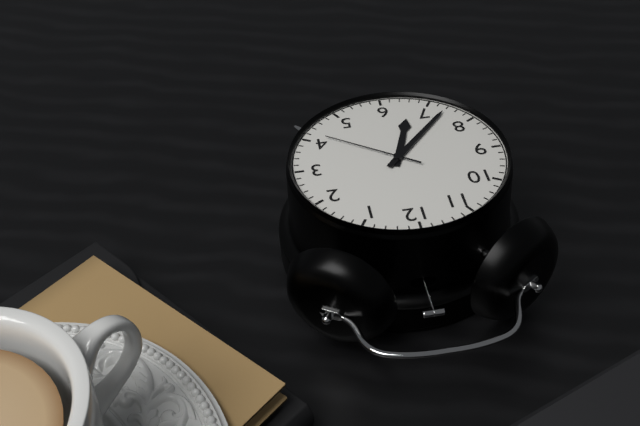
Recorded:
6.37.21
